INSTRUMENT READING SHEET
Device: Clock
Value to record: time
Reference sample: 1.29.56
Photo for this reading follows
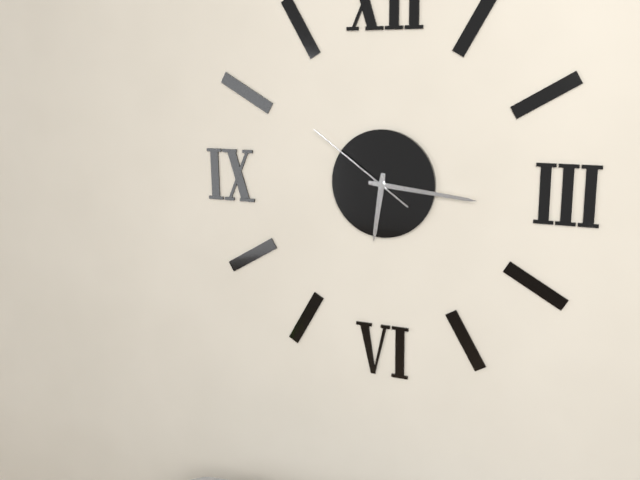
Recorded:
6.16.51
